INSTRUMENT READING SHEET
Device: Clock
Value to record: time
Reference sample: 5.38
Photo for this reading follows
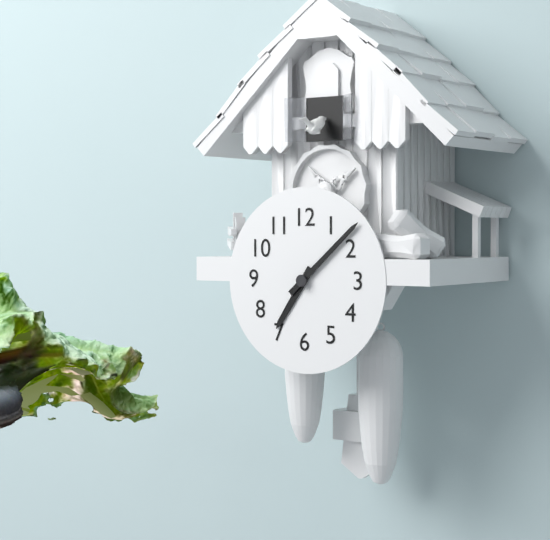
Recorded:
7.08
